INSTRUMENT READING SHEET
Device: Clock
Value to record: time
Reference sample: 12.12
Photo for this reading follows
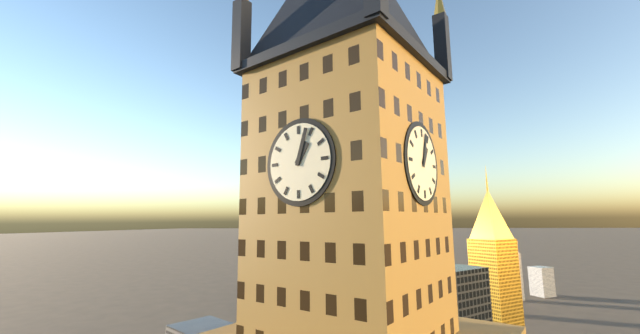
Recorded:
1.03
